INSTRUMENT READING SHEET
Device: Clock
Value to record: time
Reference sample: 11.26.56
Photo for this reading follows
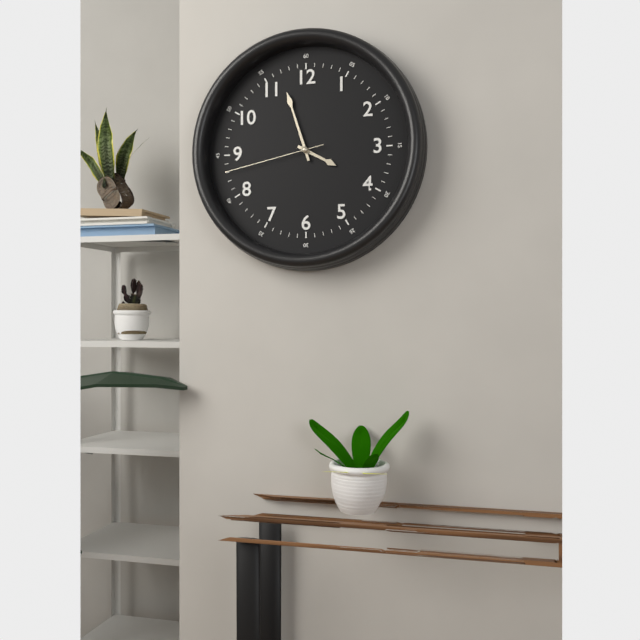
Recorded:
3.57.43
